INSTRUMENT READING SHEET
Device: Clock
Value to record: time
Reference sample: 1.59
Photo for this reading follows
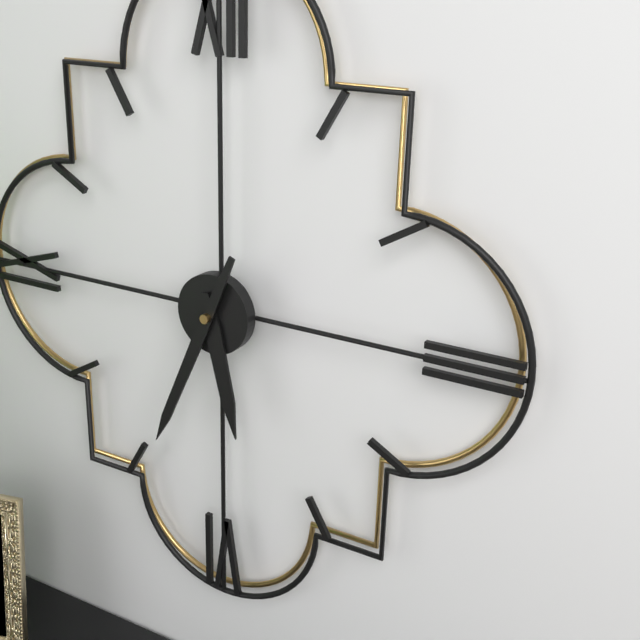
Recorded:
5.34
